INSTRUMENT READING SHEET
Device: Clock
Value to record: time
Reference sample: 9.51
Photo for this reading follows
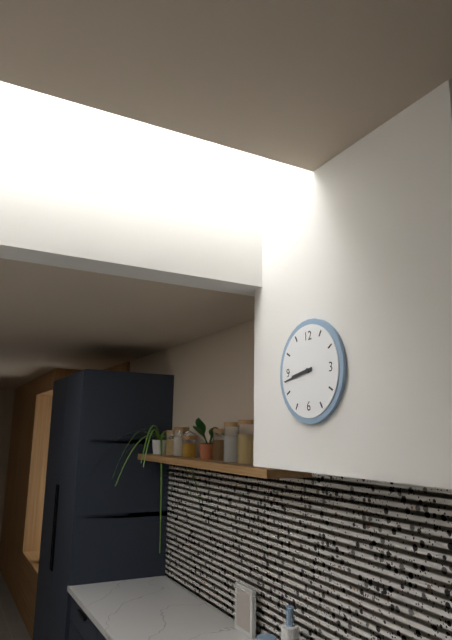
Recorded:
8.43
